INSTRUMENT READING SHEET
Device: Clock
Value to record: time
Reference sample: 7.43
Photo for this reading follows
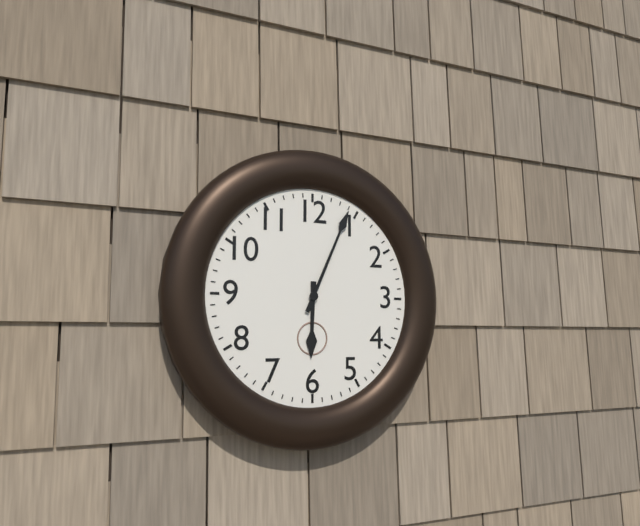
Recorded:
6.04
